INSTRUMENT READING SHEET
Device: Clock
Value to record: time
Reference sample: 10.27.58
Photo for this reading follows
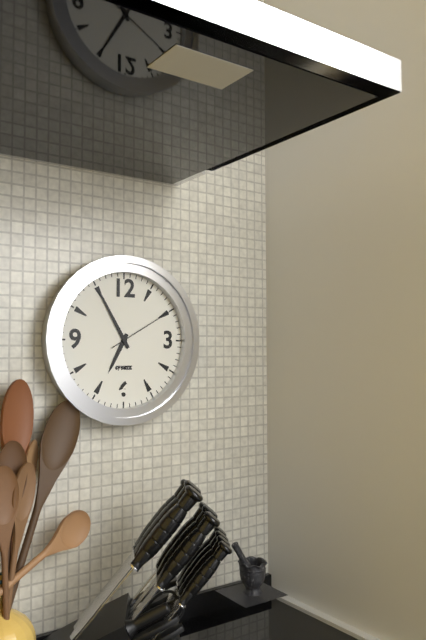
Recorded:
6.55.10
